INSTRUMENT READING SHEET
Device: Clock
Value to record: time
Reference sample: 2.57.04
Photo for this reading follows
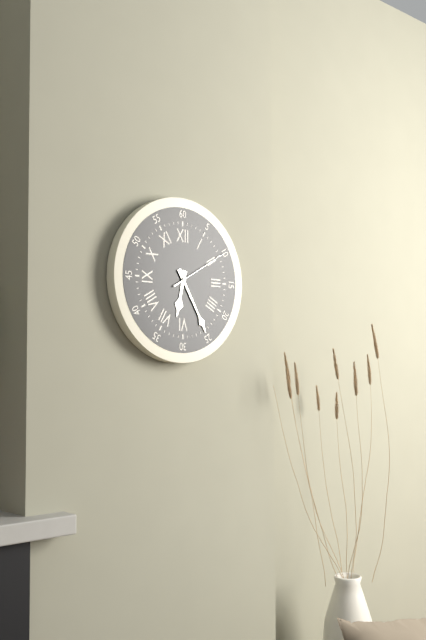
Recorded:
6.25.10
